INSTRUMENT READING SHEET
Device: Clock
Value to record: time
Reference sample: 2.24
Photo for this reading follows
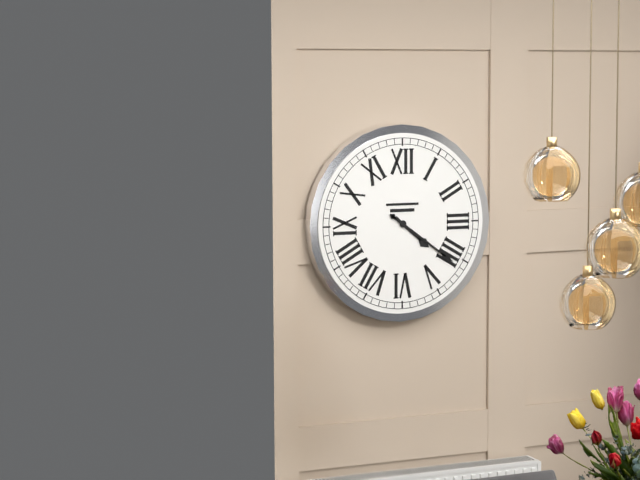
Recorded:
4.21
